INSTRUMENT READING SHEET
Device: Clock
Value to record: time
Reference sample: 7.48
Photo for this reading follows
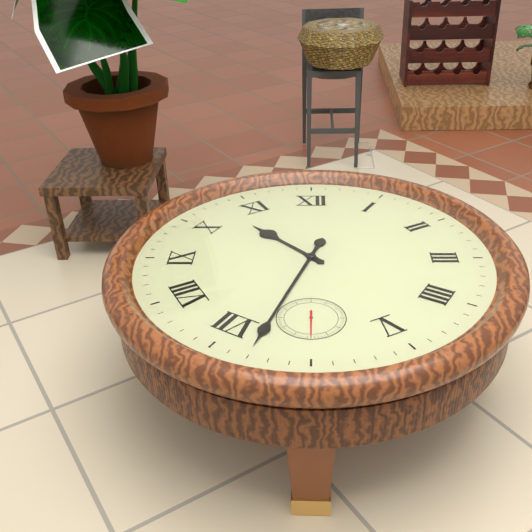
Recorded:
10.33
